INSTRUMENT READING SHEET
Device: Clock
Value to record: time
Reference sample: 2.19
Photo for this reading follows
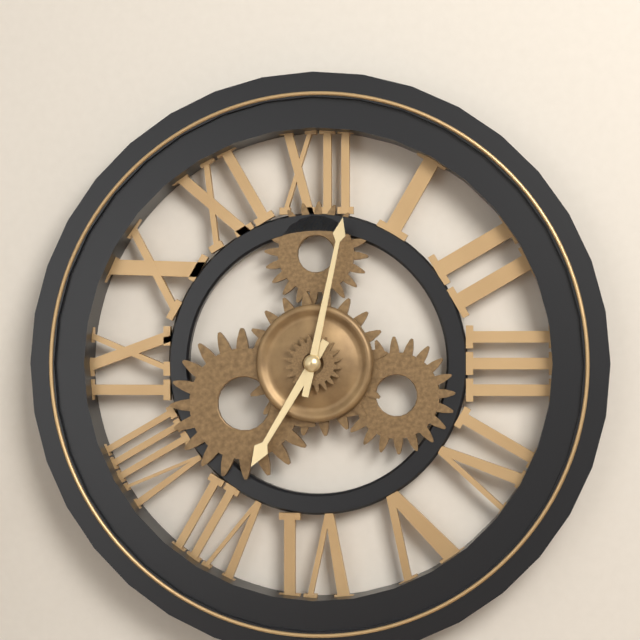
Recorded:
7.02
